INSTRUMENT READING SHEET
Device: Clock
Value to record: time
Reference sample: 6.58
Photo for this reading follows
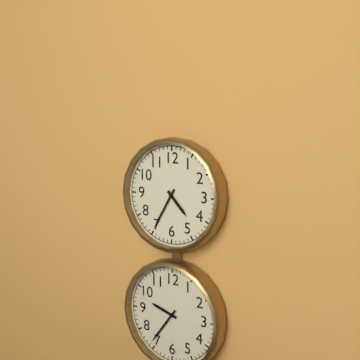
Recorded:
4.35
